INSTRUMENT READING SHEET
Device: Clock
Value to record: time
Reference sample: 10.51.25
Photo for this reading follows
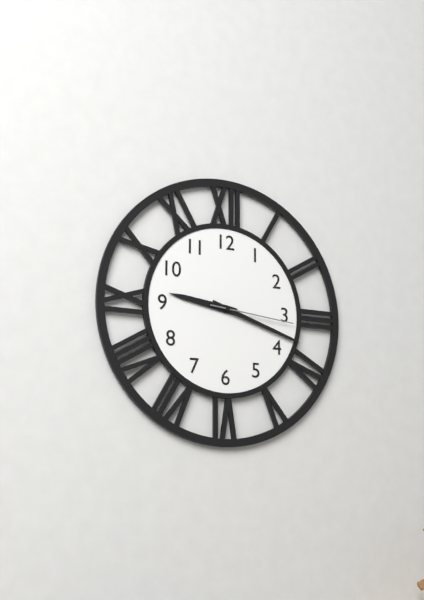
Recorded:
9.18.16
